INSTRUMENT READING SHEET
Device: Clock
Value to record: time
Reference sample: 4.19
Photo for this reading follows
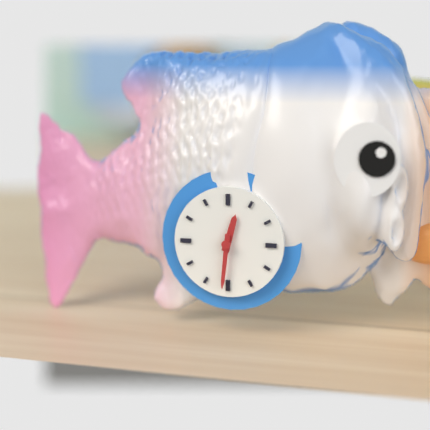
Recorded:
12.31
